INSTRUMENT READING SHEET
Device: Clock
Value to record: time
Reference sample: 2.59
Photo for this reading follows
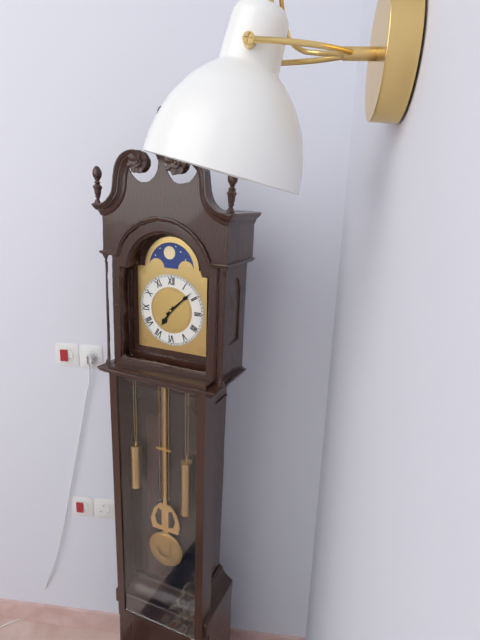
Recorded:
7.08
